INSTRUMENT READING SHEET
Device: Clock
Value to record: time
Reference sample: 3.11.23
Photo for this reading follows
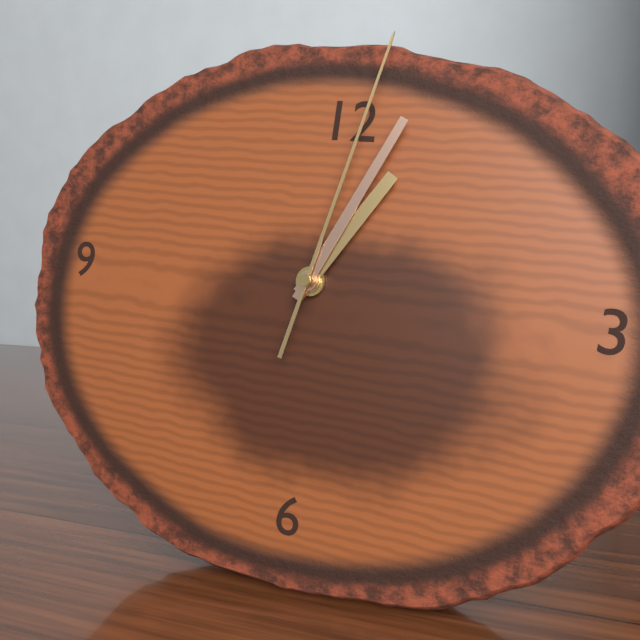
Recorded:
1.04.02
